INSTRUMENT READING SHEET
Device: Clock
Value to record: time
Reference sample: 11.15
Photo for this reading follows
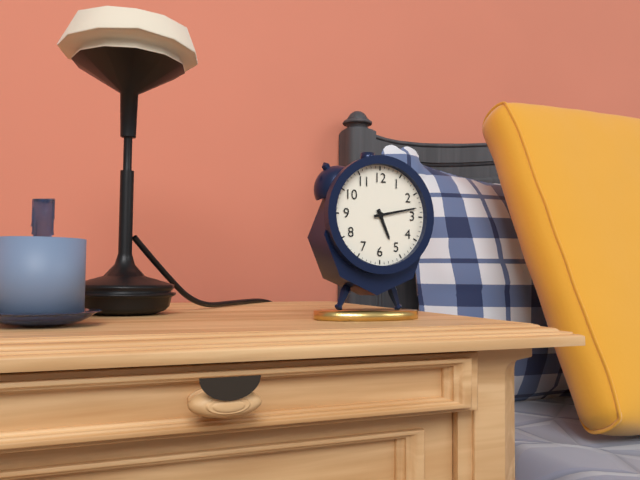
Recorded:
5.13
